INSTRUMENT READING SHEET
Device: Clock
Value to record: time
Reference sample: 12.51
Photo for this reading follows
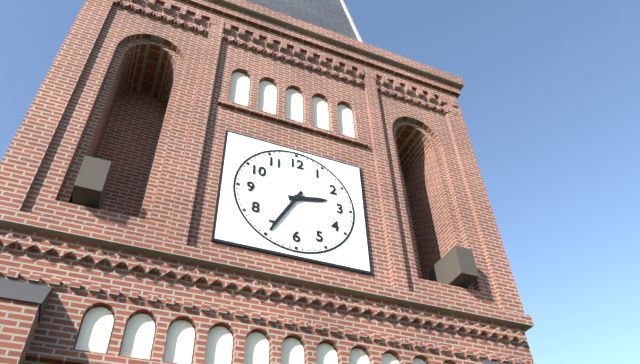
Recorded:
2.35
